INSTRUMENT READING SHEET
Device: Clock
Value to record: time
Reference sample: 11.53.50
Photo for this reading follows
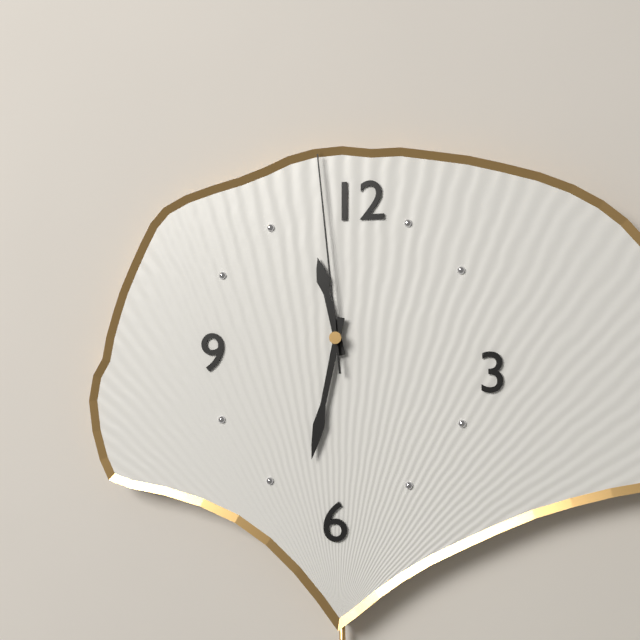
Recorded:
11.32.59
